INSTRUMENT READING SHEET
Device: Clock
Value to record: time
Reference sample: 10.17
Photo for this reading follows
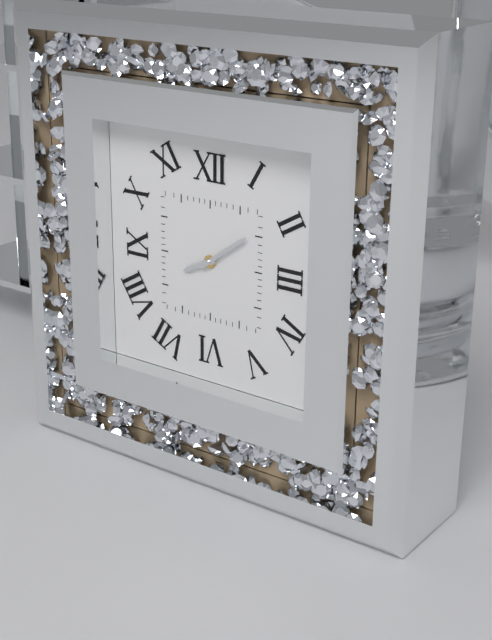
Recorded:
8.09
